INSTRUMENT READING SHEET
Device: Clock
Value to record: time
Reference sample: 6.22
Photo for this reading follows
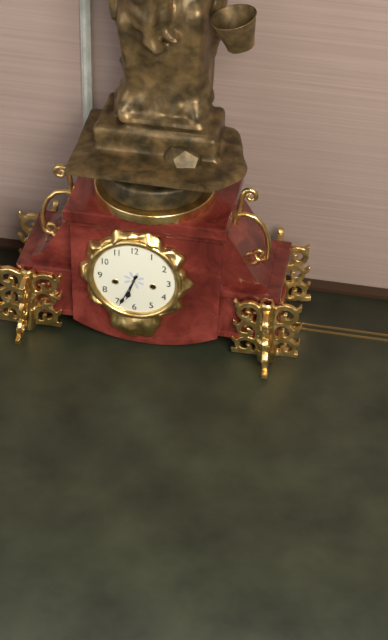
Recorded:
6.34
